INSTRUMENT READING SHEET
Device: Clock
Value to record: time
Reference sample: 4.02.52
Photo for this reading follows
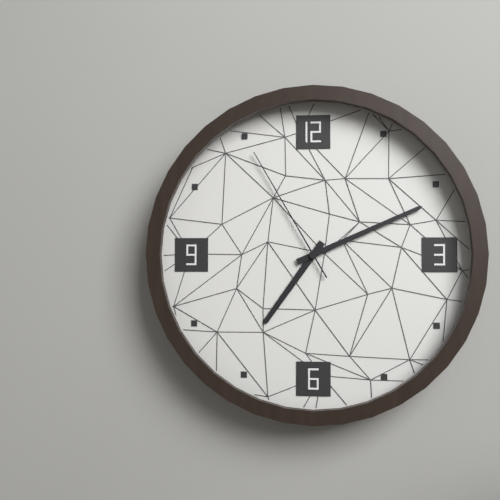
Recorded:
7.11.55
